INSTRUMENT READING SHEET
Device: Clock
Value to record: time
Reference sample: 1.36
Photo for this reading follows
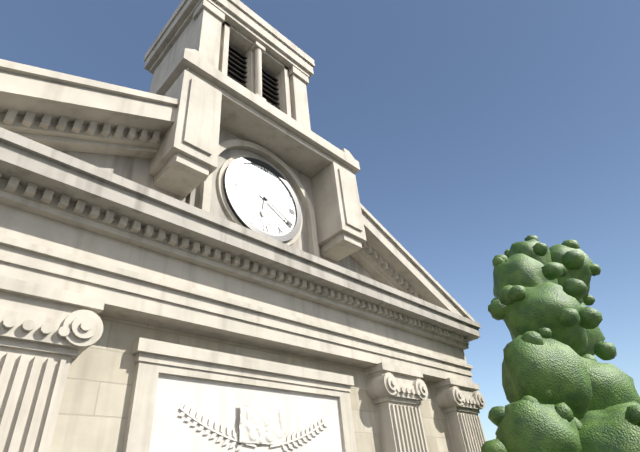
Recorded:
6.20
